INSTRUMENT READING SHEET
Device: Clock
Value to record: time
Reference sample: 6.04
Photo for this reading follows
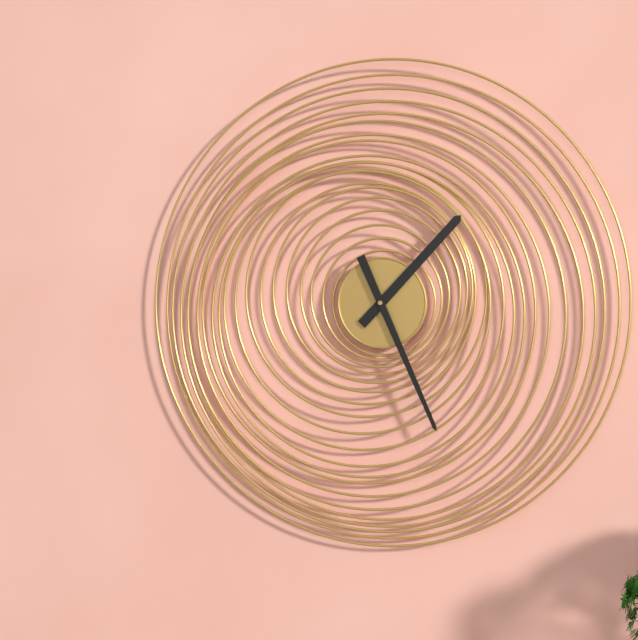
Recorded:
1.26
